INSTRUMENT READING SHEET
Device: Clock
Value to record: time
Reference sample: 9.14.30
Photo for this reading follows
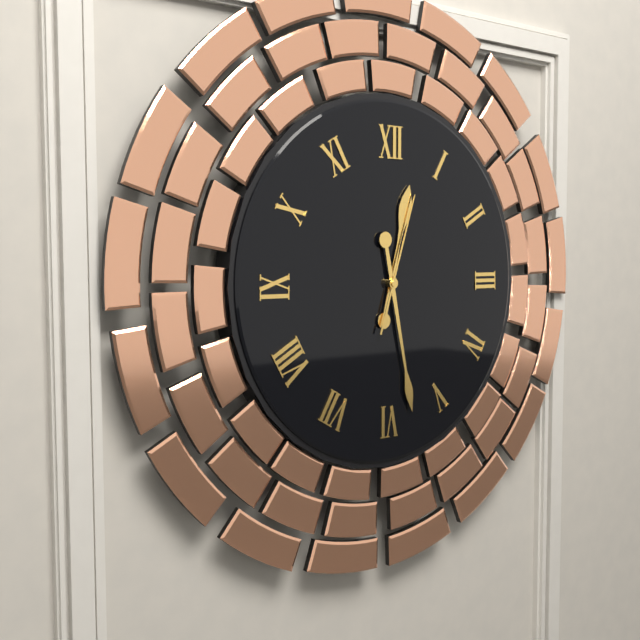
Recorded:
12.28.03
